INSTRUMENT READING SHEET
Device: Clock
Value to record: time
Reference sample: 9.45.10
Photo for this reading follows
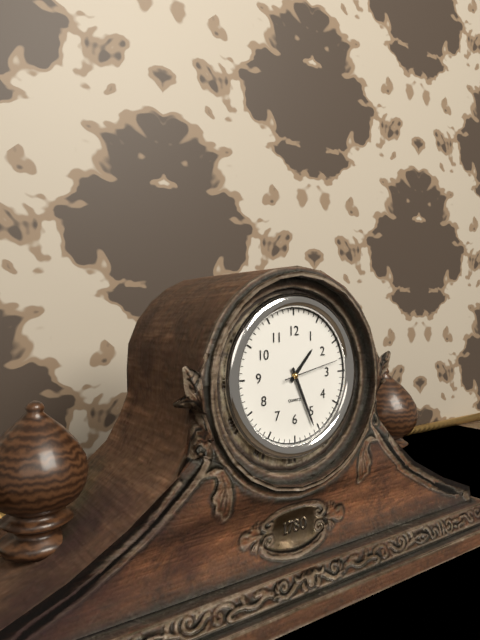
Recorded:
1.26.13
